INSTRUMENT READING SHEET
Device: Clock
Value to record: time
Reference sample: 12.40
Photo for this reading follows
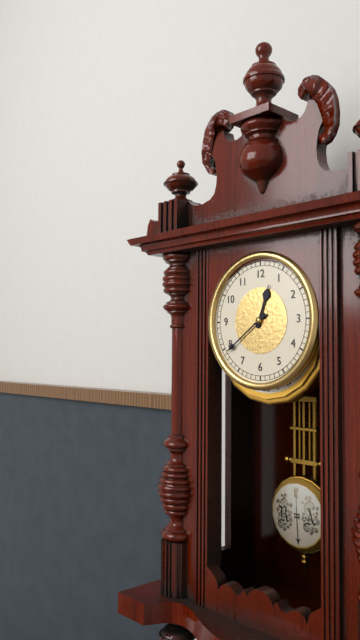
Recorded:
12.39
